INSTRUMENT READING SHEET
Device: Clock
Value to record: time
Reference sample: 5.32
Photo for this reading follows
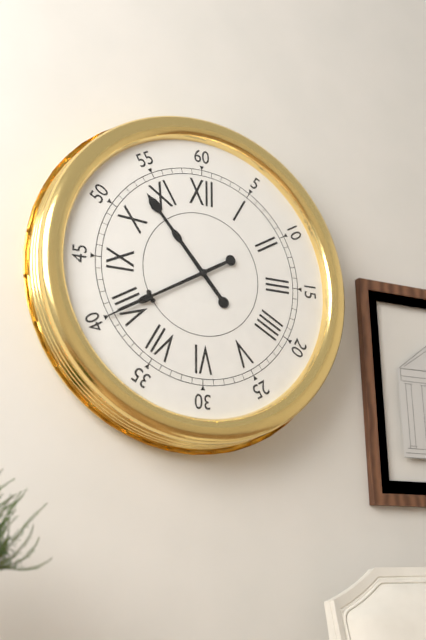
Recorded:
10.40
